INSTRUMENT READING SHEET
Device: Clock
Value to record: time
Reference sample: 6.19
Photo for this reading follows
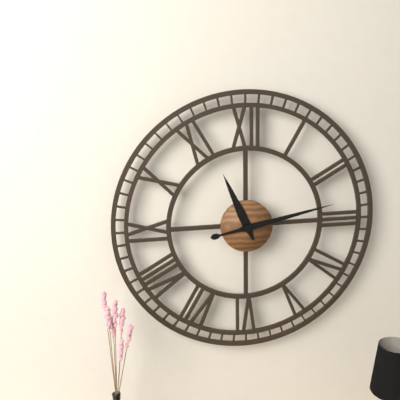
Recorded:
11.13
